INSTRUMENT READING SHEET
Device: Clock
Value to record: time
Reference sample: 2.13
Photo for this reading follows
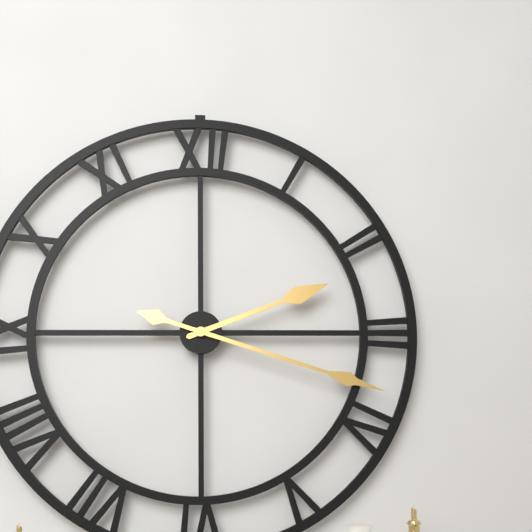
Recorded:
2.18
